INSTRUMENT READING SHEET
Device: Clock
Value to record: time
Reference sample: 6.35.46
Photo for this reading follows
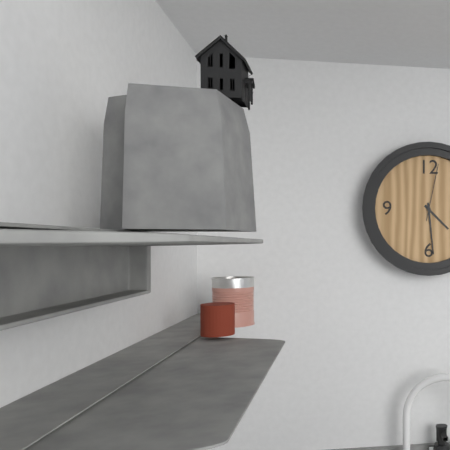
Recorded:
4.29.02
